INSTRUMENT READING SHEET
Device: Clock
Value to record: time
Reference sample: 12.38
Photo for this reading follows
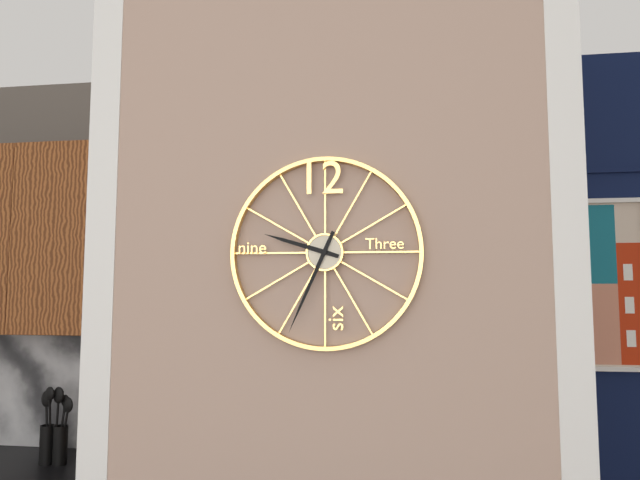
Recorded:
9.34
